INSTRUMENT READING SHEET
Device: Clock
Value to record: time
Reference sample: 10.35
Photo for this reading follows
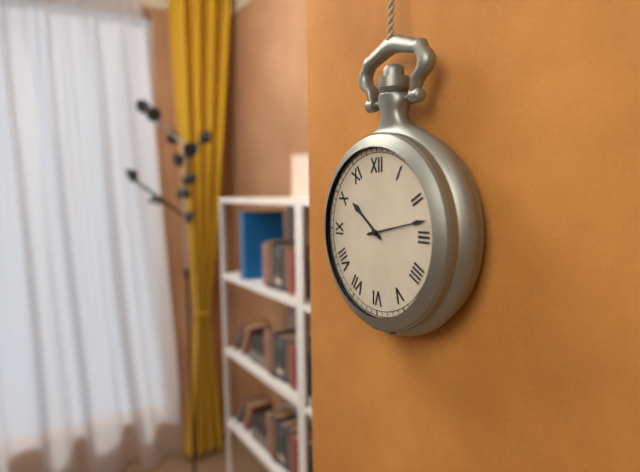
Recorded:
10.13
